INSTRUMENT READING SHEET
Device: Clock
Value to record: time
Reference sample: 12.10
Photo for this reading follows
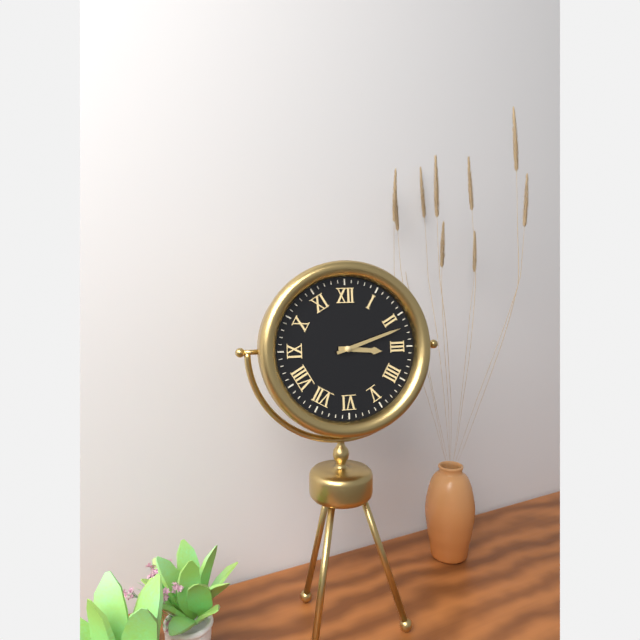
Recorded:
3.12
